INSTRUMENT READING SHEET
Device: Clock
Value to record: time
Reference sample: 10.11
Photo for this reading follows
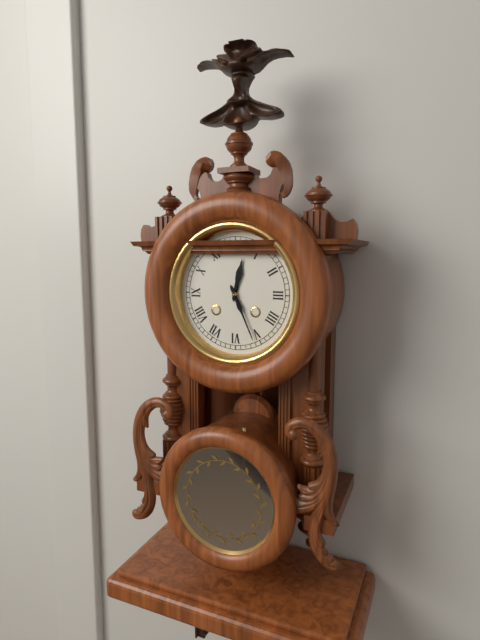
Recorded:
12.26
